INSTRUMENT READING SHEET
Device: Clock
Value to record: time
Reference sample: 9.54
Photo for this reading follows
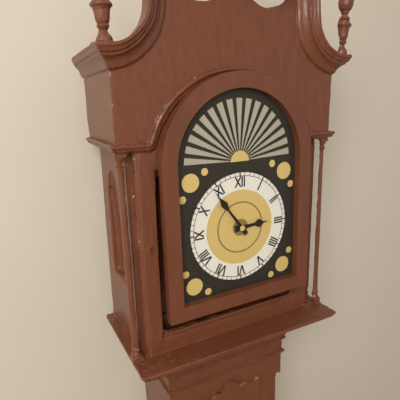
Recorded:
2.54
